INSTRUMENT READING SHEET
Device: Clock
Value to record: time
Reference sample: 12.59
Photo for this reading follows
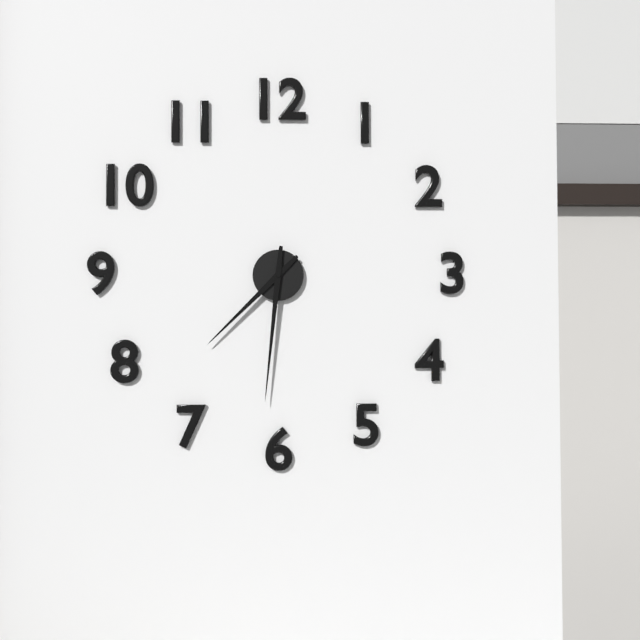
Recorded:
7.31
